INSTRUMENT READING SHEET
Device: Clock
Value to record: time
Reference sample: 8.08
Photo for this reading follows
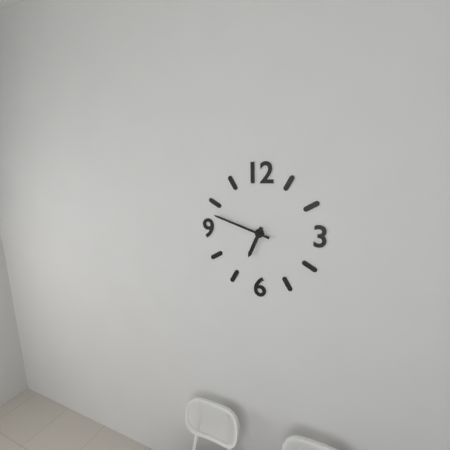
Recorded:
6.48
